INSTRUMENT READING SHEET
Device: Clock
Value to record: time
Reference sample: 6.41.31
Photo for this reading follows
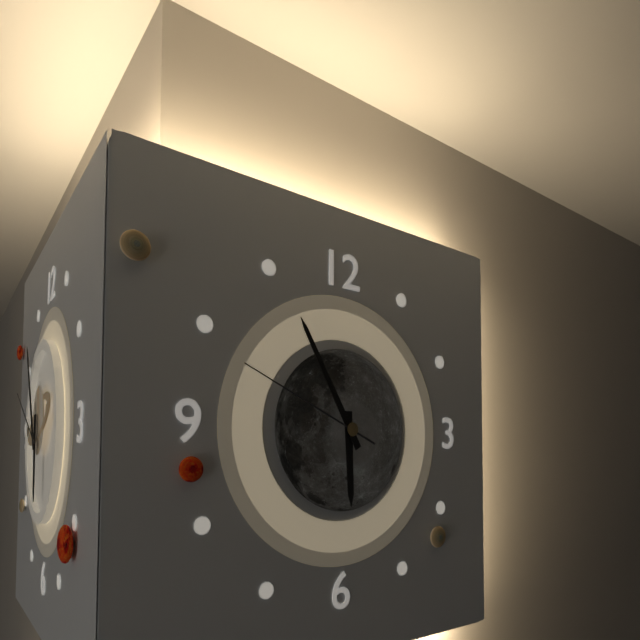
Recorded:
5.55.49
